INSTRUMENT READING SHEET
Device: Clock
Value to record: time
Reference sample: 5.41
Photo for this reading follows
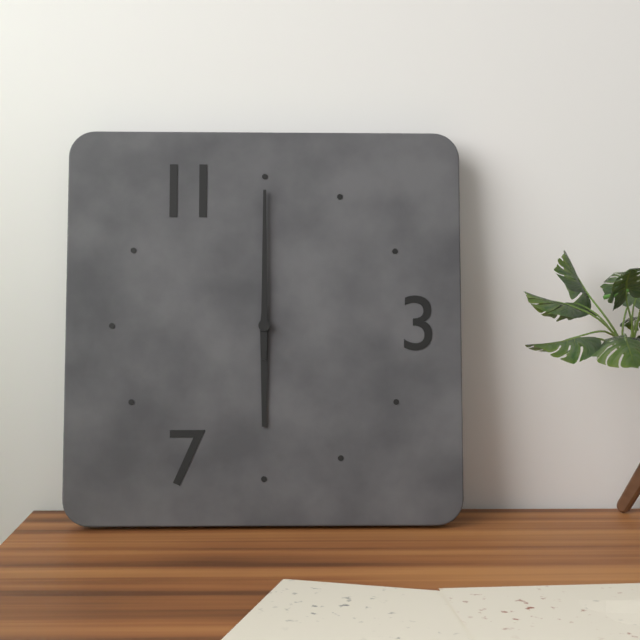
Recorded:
6.00
